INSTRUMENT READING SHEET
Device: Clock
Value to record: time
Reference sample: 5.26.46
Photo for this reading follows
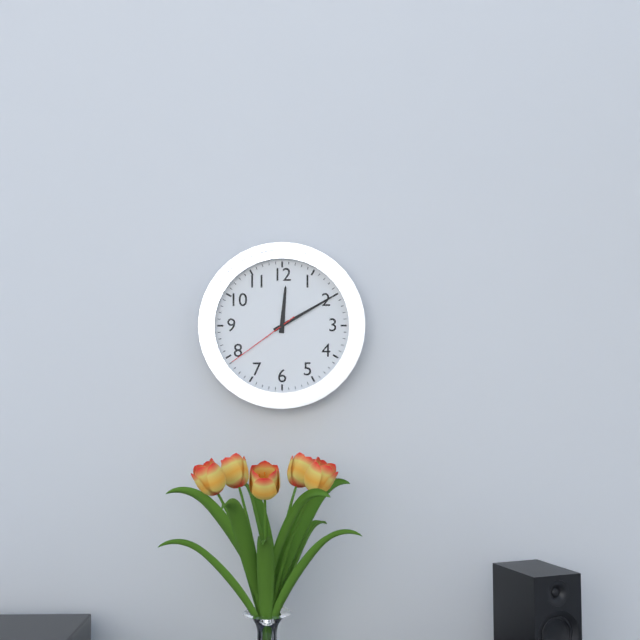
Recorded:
12.10.39
